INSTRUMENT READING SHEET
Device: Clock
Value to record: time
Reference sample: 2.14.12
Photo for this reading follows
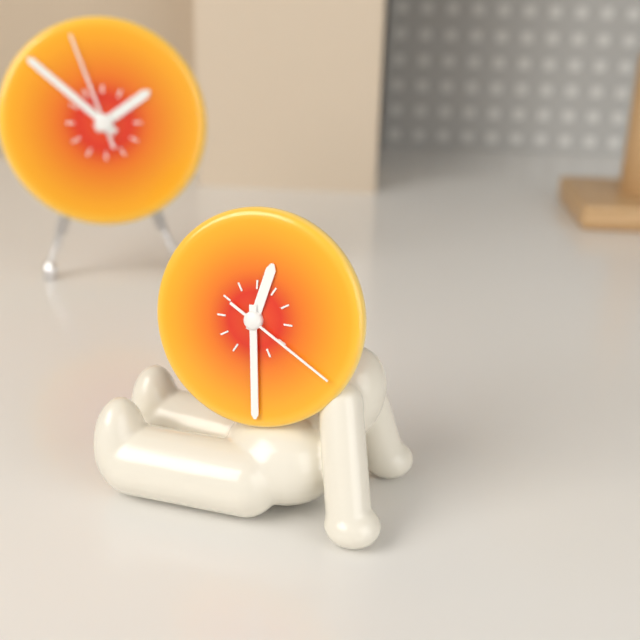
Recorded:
12.29.20
